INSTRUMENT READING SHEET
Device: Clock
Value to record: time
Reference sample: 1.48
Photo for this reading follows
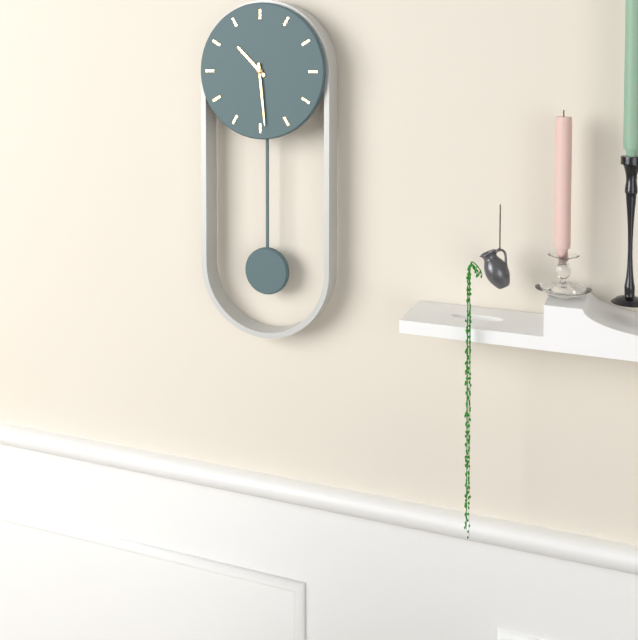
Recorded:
10.29
